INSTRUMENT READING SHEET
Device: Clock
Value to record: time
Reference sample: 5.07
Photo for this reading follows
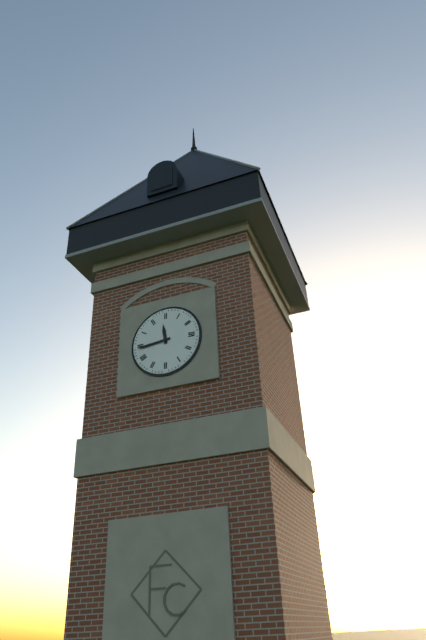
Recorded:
11.44
